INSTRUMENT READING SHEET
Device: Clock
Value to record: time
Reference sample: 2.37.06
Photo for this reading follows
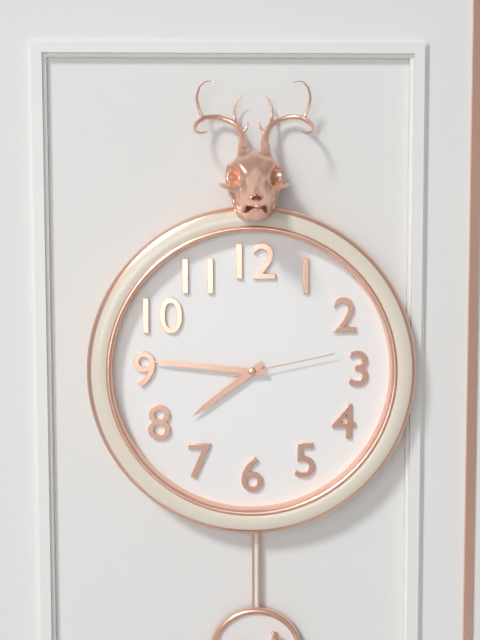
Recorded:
7.46.13
